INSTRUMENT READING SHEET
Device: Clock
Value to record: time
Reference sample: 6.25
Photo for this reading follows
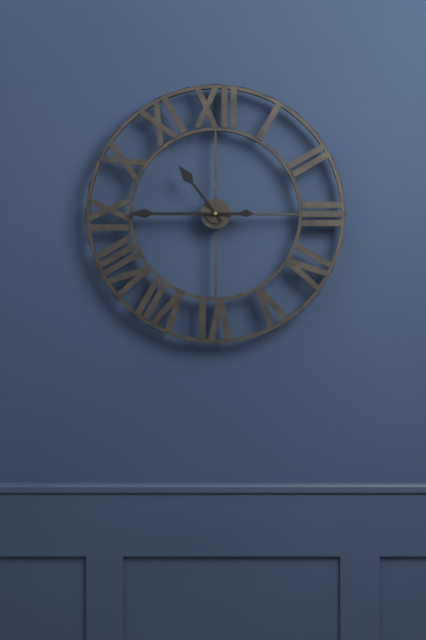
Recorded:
10.45
